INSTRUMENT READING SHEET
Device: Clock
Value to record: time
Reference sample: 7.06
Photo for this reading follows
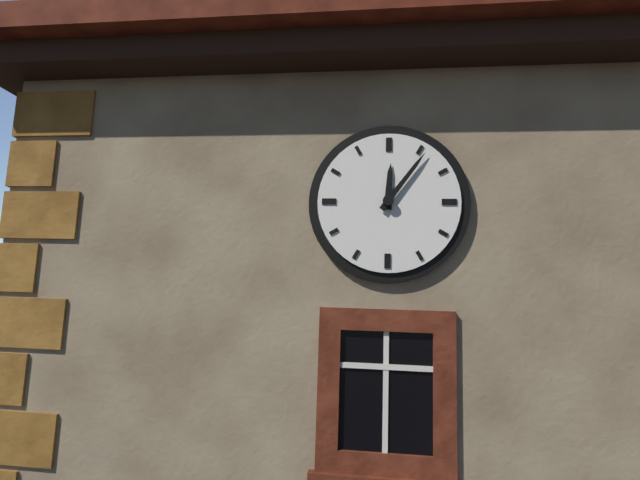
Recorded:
12.06
